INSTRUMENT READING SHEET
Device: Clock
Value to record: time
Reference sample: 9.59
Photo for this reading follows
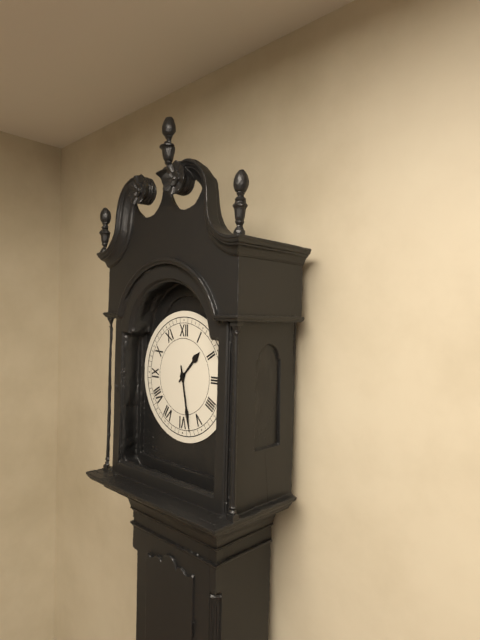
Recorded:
1.28
